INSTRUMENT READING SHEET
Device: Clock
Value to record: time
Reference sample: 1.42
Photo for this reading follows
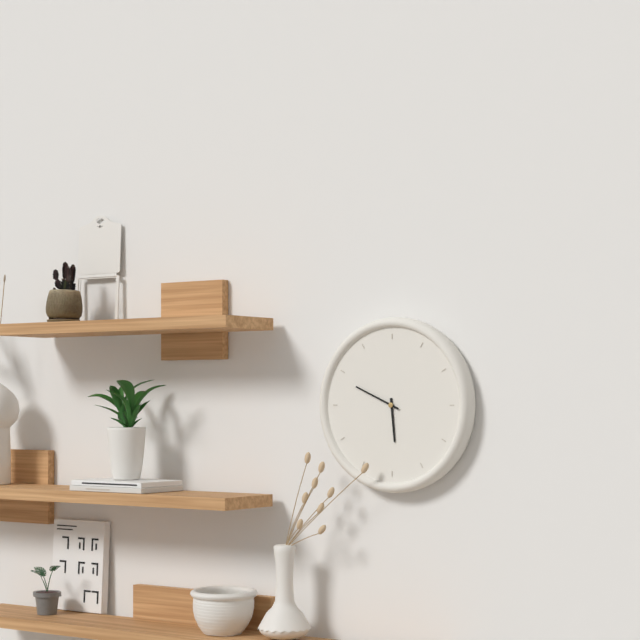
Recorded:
5.49
